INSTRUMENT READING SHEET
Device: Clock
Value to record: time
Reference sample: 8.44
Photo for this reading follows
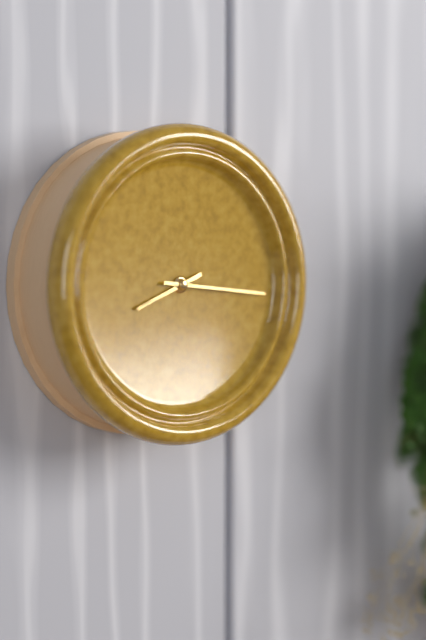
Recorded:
8.16
